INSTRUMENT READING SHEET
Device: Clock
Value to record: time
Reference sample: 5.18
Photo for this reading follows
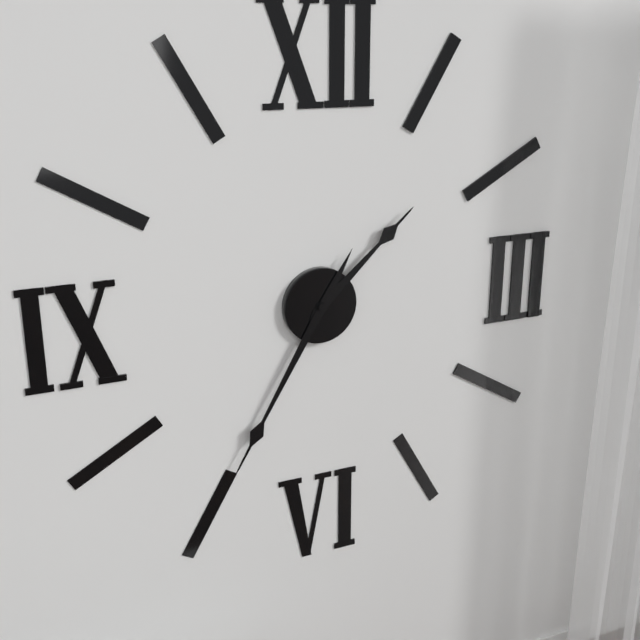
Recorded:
1.35
